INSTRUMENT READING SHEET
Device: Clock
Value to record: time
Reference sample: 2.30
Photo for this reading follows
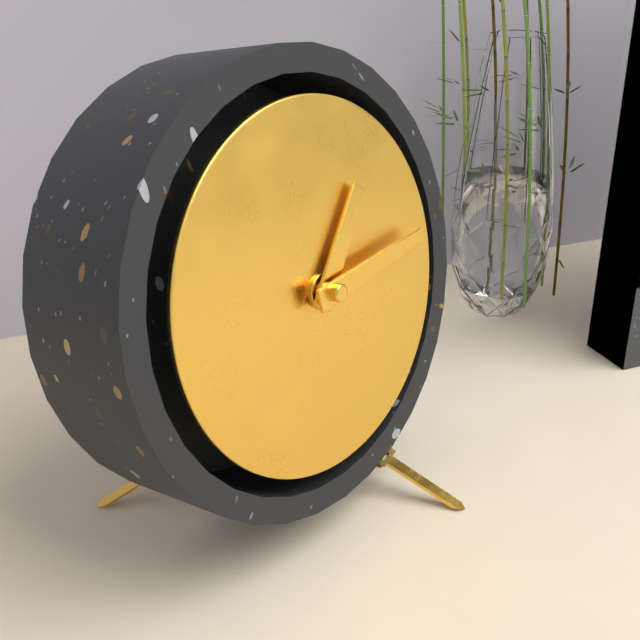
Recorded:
1.14
